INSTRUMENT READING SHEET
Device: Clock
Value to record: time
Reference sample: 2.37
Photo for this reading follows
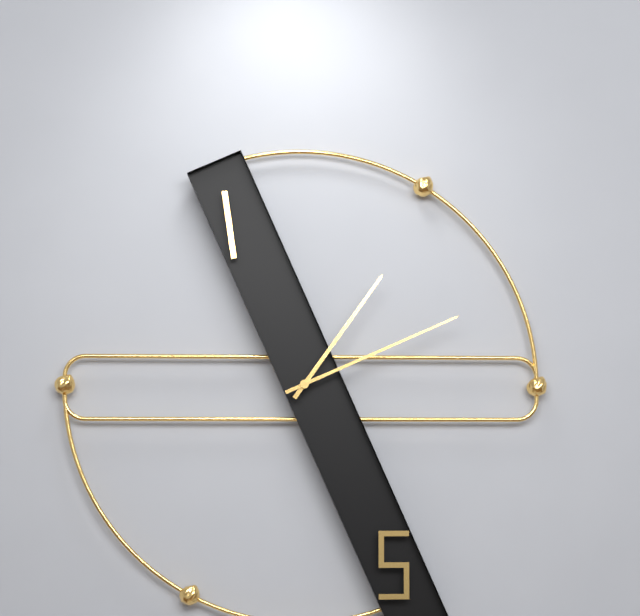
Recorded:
1.11
